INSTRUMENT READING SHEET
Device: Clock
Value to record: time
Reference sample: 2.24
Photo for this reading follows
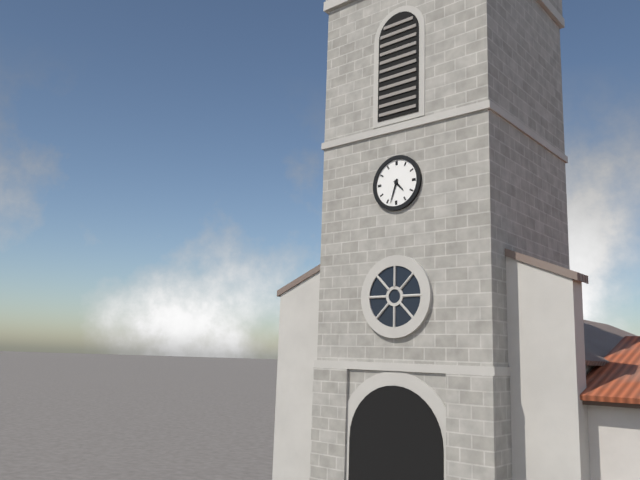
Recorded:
4.33
